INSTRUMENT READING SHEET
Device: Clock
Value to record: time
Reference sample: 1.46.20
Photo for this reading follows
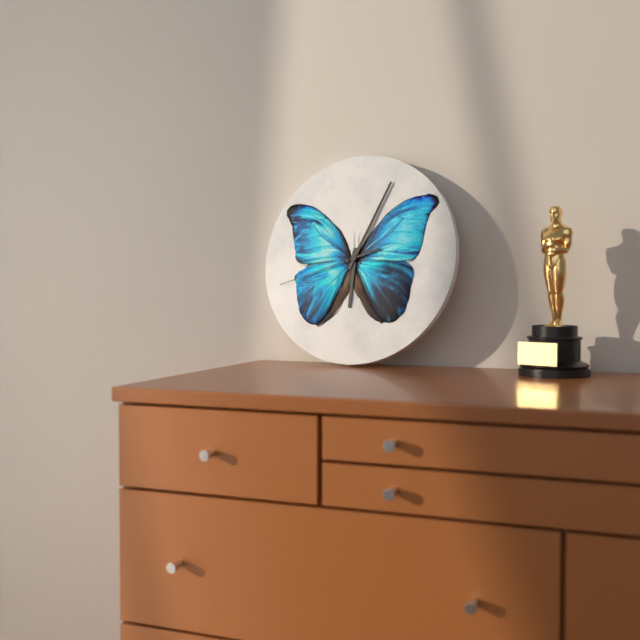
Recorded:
6.04.42
